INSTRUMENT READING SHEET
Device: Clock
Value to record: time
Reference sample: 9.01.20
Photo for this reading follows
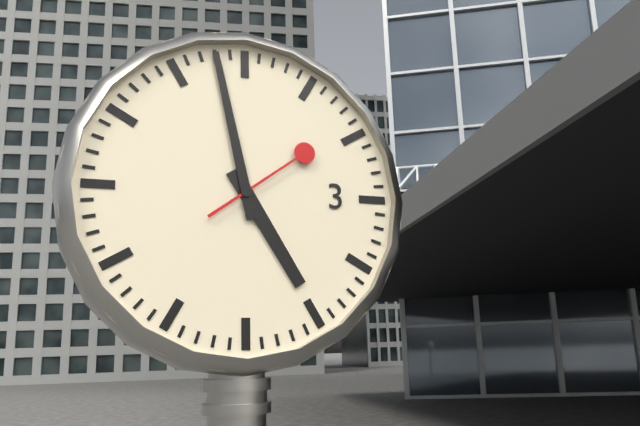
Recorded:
4.58.09
